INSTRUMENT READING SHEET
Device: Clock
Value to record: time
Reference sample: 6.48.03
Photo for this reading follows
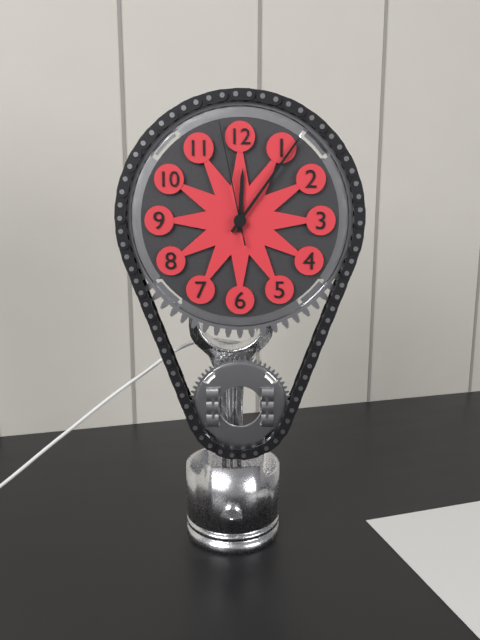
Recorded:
12.06.58
